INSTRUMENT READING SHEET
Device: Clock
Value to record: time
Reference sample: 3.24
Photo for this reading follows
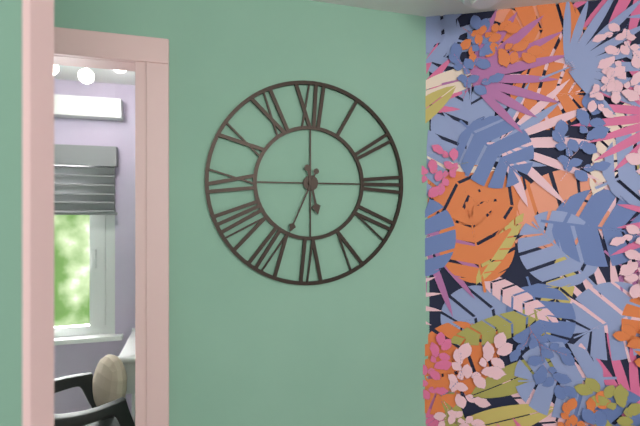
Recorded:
5.34
